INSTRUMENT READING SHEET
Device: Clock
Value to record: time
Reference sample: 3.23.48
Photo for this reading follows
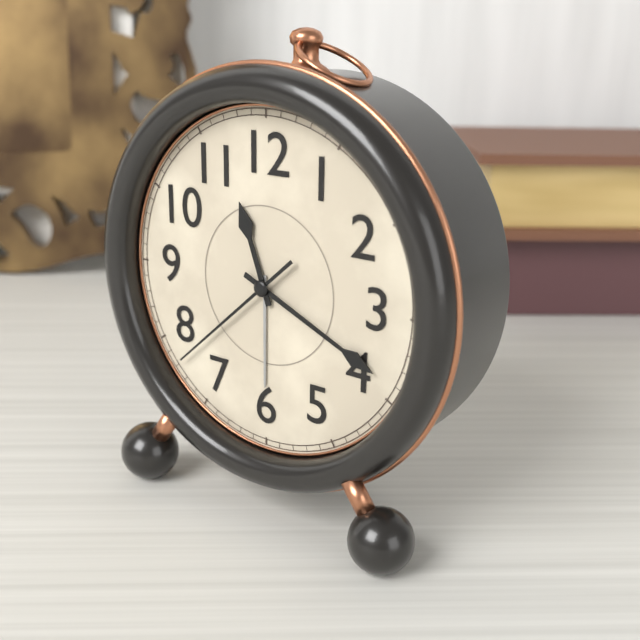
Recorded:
11.19.38
